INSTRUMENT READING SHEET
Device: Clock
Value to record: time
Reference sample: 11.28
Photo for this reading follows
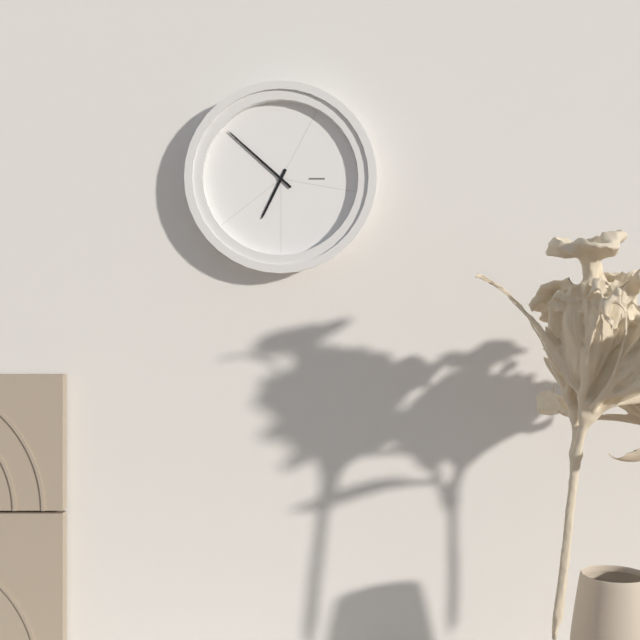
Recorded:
6.52
